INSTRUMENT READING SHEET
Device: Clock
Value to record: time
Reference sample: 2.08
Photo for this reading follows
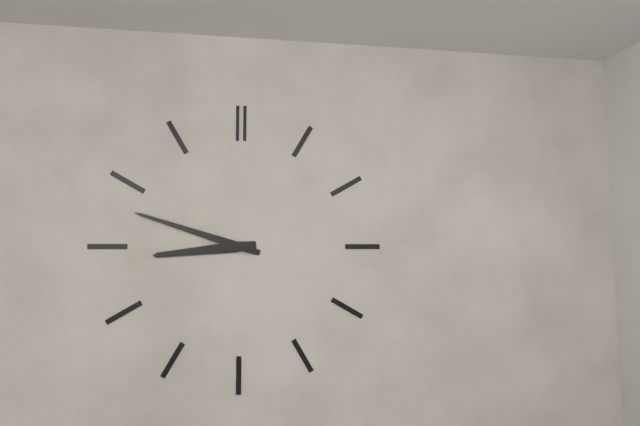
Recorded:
8.48
